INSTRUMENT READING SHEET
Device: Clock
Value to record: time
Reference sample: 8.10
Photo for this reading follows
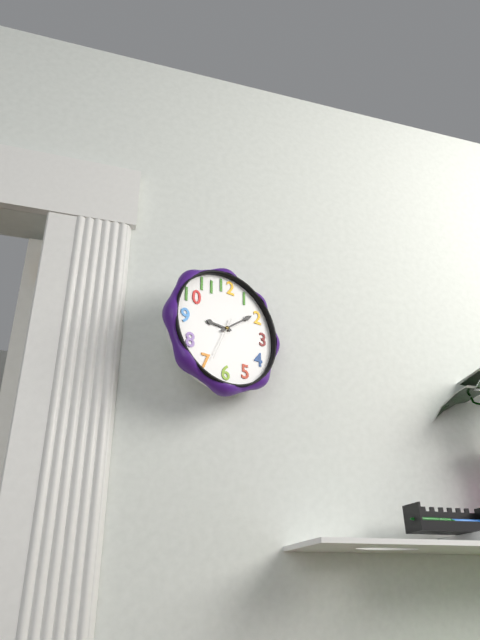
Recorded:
9.09
